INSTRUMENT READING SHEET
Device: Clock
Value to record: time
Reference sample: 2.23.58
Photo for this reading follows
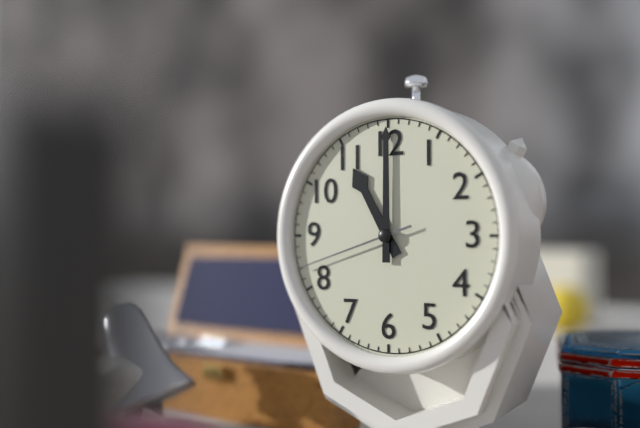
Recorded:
11.00.42
